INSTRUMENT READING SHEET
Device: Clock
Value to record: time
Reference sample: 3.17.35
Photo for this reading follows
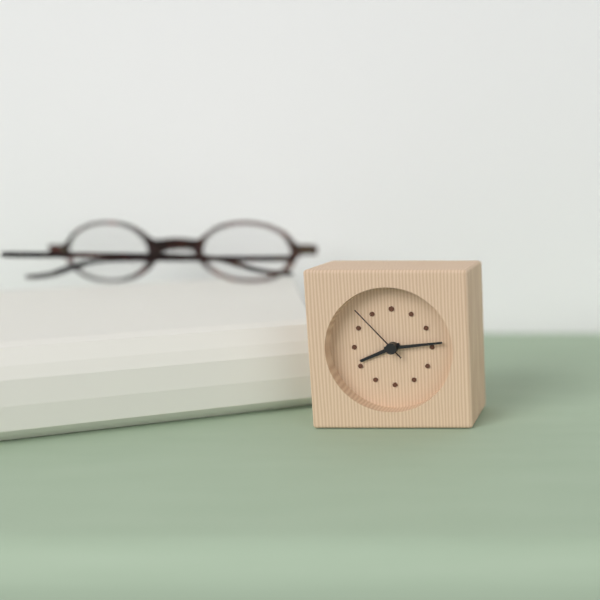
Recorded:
8.14.53
